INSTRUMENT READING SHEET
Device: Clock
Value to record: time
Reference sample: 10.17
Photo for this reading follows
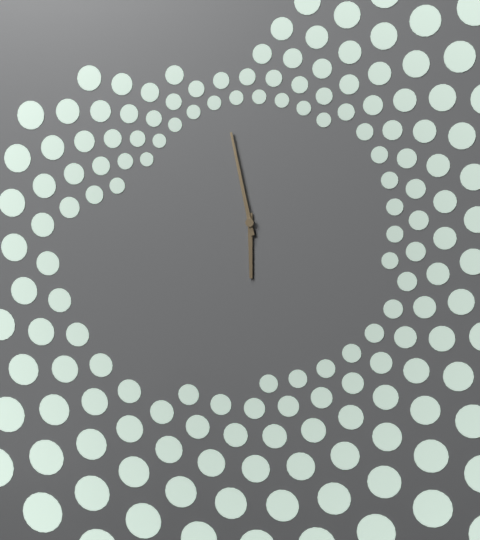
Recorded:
5.58
